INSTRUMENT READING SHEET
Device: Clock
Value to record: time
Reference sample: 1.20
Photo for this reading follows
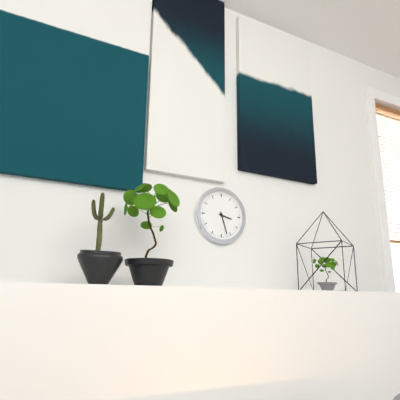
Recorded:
3.27
